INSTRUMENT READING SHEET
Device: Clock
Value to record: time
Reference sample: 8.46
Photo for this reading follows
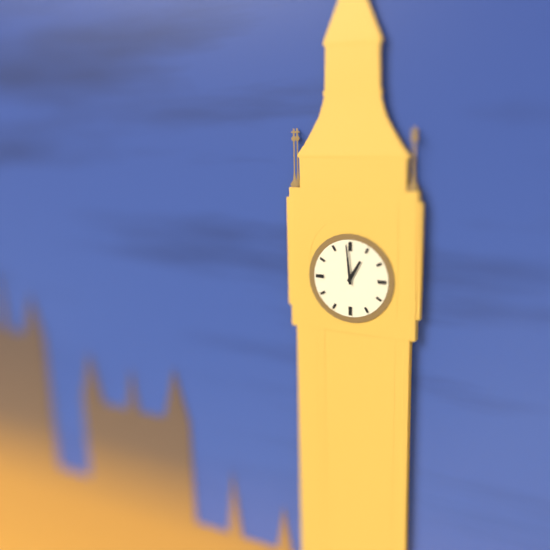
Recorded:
12.59
